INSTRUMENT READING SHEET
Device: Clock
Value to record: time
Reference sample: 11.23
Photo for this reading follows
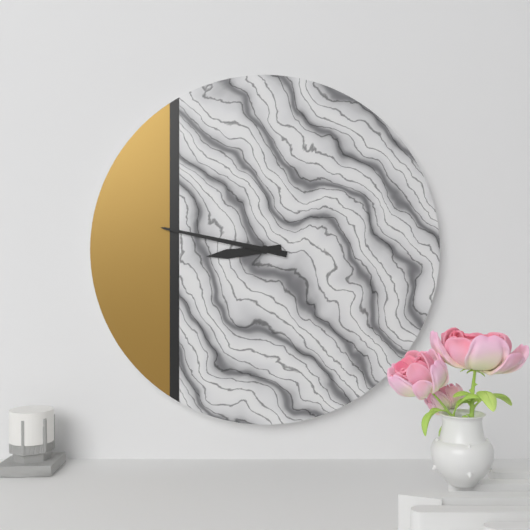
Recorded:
8.47
